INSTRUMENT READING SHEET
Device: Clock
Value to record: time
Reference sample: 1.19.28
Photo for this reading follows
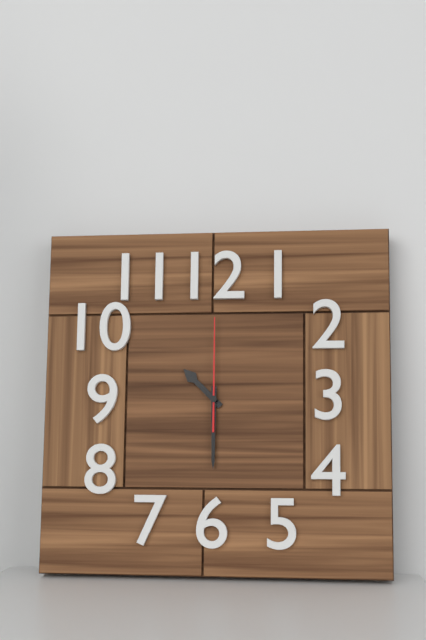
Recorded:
10.30.00
